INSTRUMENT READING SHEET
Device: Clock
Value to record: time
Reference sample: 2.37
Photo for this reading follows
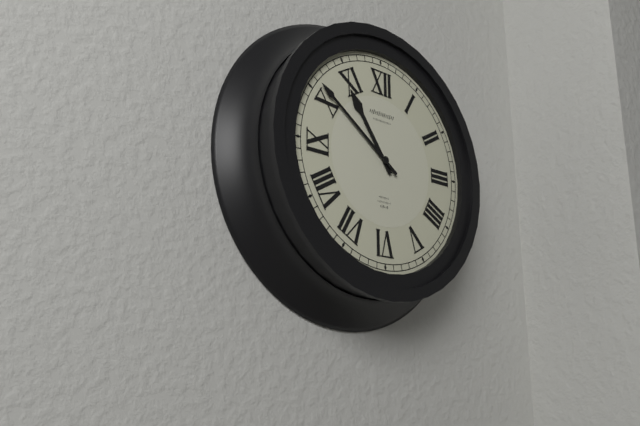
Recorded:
10.51
